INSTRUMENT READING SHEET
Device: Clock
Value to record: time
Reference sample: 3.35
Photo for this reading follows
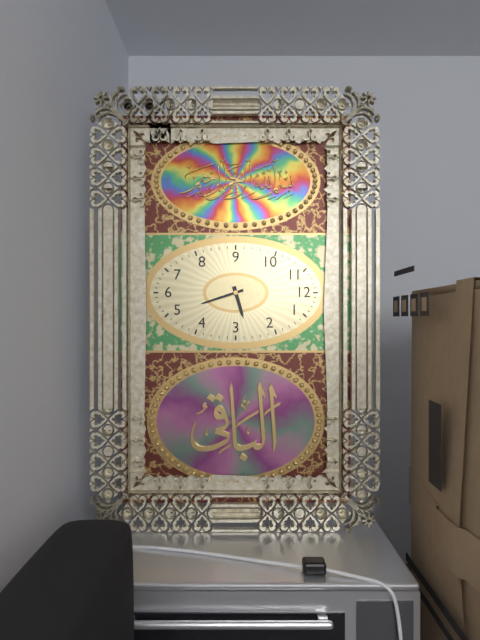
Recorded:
2.27
